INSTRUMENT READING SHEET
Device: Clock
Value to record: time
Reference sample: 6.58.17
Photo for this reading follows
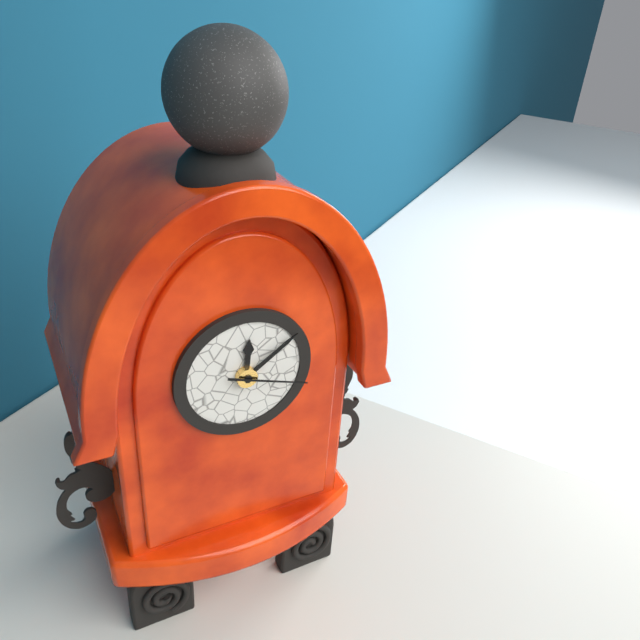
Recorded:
12.09.18
